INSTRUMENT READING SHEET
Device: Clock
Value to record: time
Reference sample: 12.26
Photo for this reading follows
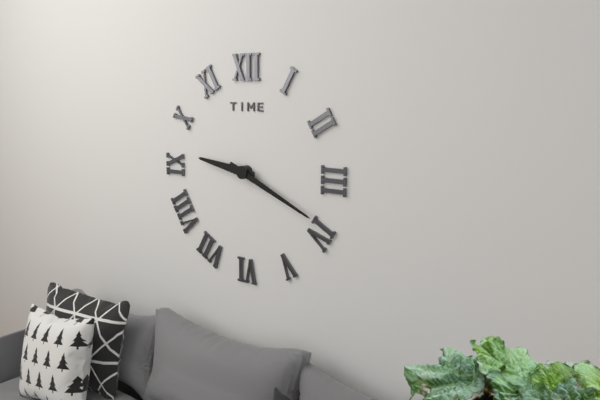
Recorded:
9.19
